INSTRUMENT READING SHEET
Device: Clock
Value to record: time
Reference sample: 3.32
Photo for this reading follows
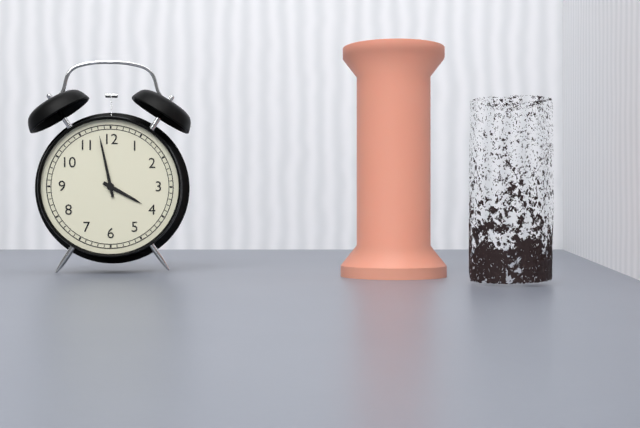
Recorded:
3.58
